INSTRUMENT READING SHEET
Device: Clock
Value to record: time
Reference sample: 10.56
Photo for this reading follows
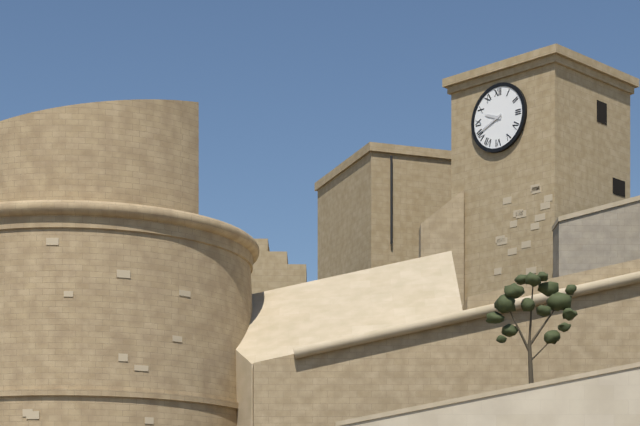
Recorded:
9.41
